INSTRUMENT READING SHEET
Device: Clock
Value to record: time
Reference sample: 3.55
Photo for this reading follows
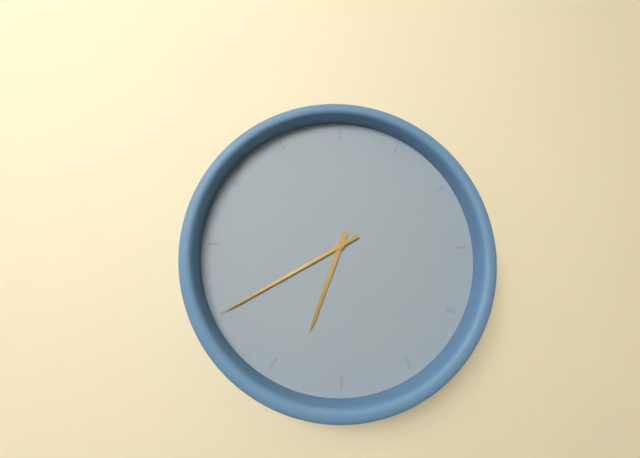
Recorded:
6.40
